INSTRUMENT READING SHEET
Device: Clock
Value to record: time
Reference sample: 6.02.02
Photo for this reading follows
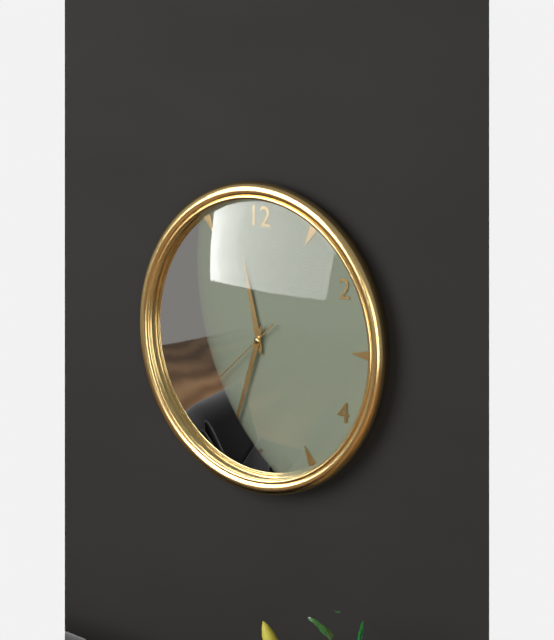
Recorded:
11.33.38
